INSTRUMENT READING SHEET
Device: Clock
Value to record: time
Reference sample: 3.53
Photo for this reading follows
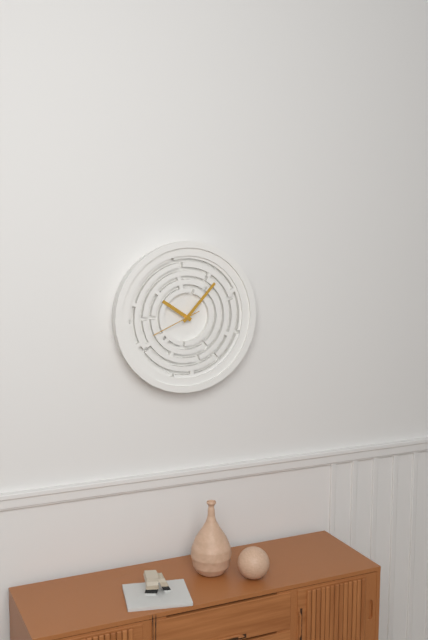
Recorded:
10.07
